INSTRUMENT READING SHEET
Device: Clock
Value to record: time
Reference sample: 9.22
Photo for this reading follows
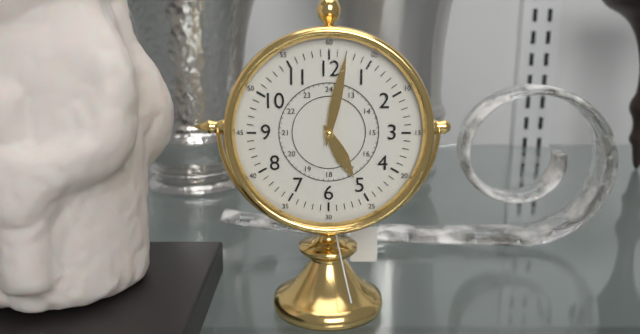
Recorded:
5.02
